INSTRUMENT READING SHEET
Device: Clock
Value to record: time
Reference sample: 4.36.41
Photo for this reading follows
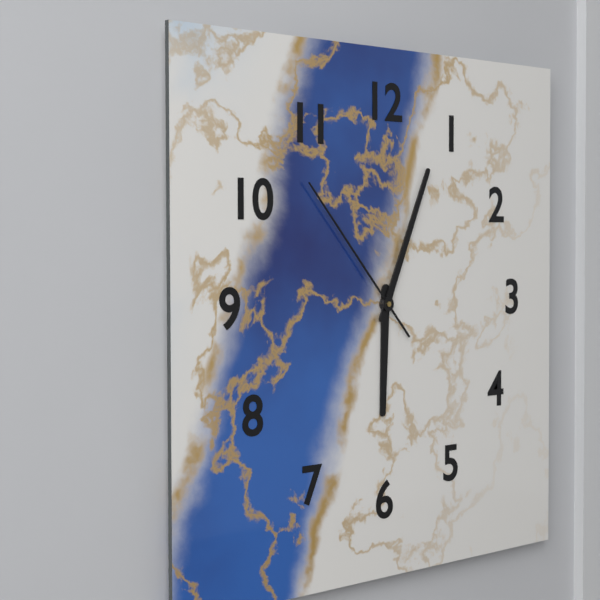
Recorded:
6.04.53
